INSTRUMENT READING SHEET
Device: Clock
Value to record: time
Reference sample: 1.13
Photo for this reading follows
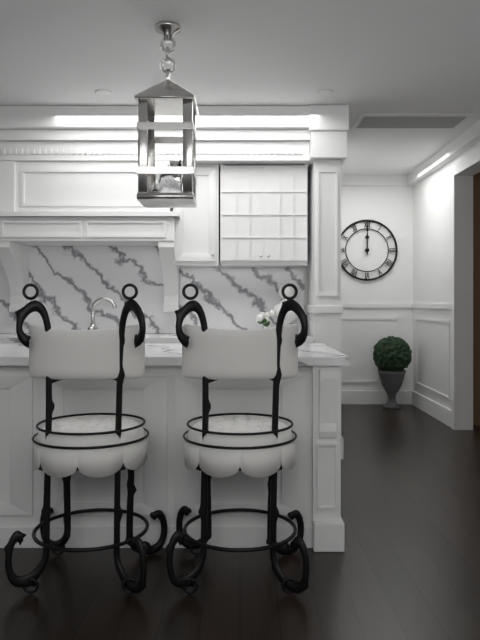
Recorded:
12.00
